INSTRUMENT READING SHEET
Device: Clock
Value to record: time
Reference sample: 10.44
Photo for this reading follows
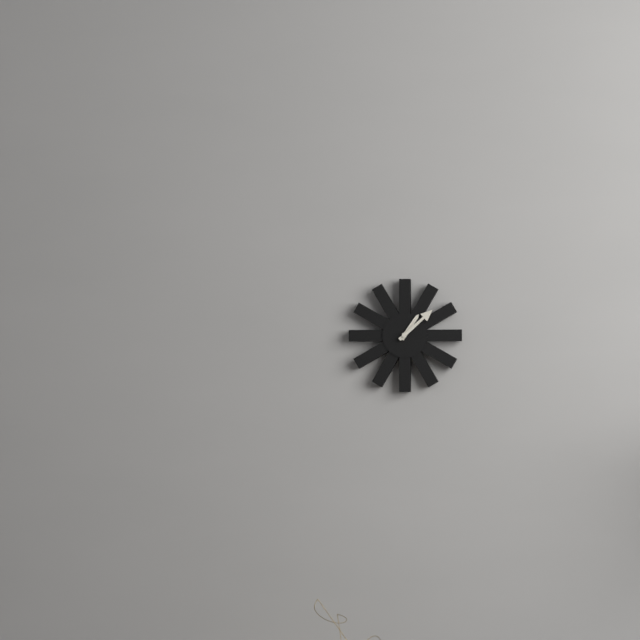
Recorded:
1.08
